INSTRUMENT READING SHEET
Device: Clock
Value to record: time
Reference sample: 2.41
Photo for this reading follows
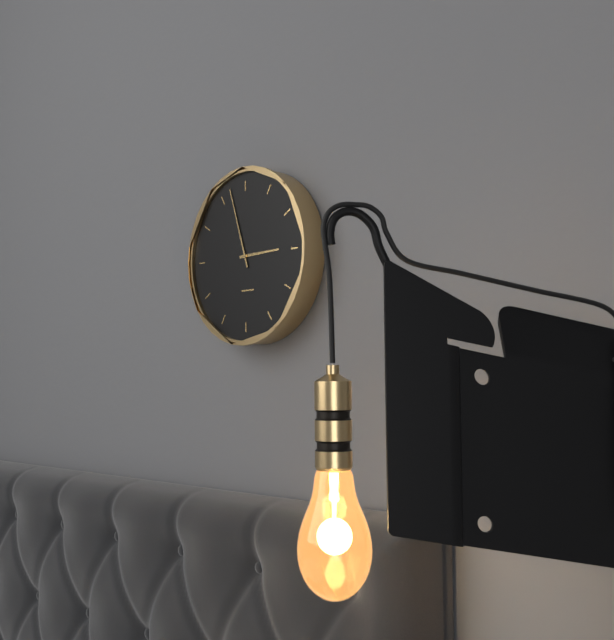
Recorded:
2.57
